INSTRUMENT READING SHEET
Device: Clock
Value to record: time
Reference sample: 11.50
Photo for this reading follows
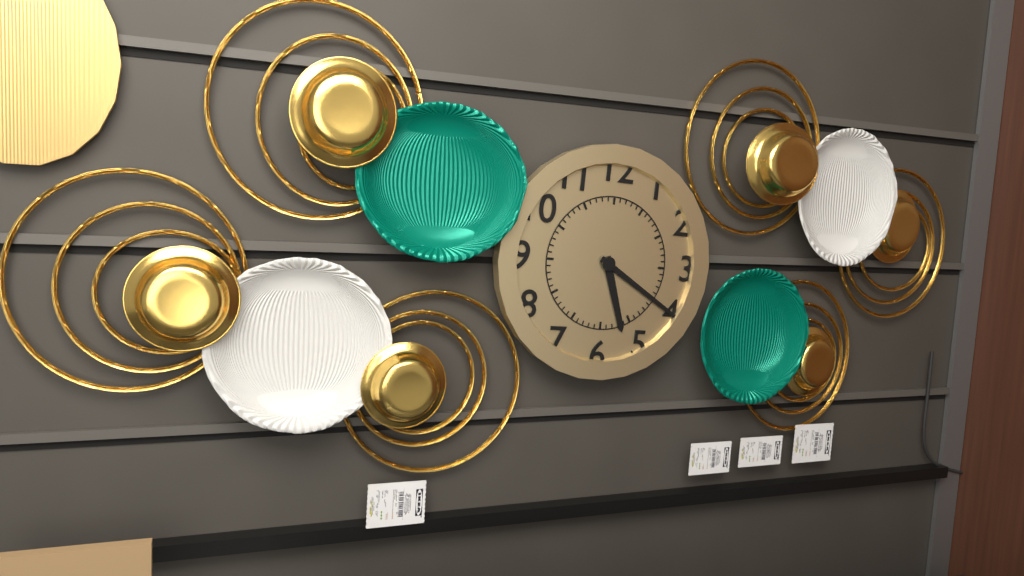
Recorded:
5.20
